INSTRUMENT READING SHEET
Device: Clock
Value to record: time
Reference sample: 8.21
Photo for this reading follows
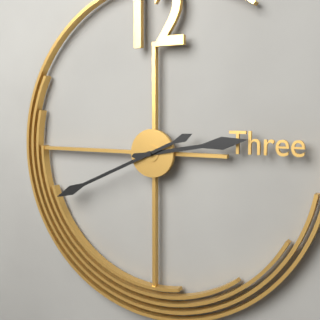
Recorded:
2.41
